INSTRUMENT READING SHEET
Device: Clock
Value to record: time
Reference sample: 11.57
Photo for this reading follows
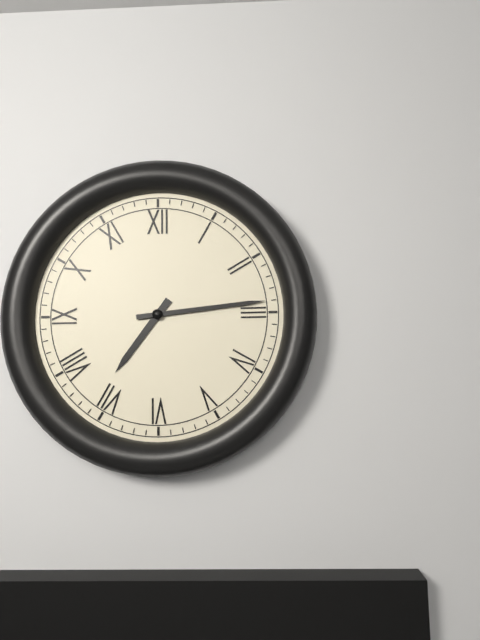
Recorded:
7.14
